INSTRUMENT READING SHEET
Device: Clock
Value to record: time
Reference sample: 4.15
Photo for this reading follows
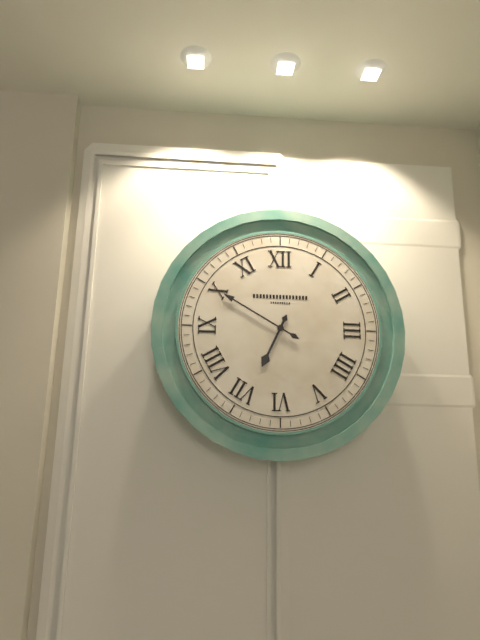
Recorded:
6.50
